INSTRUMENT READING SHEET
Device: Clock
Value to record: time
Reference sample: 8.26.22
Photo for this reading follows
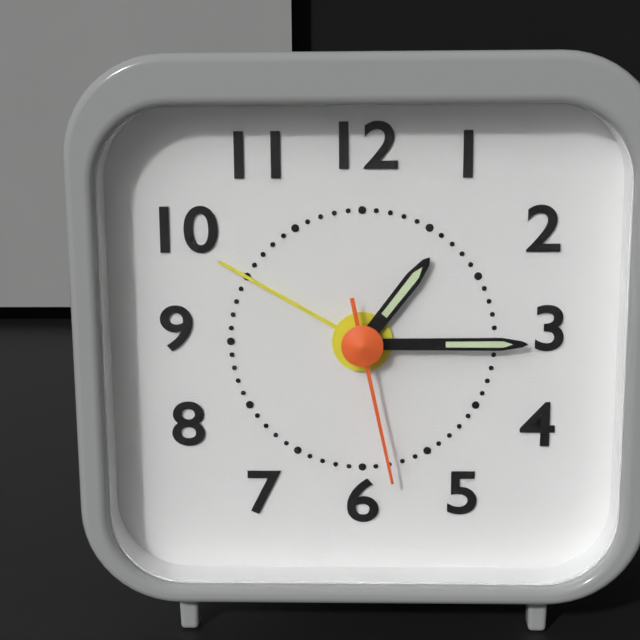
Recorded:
1.15.28
